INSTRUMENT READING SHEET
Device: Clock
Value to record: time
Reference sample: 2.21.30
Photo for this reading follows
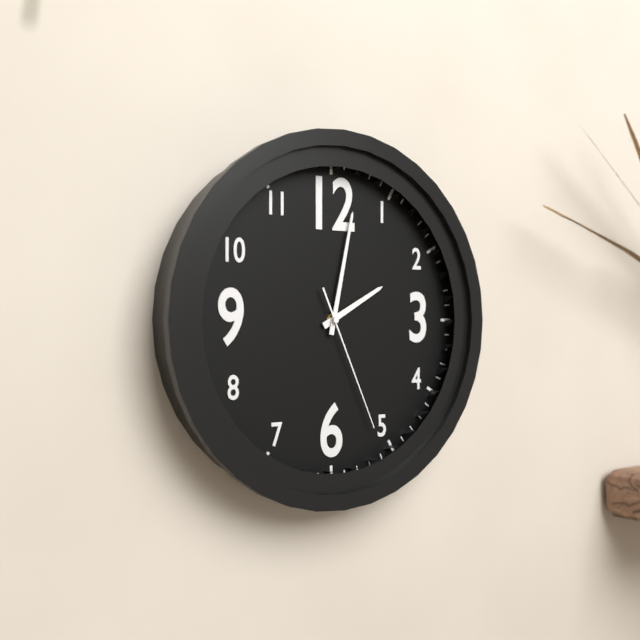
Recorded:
2.02.26
